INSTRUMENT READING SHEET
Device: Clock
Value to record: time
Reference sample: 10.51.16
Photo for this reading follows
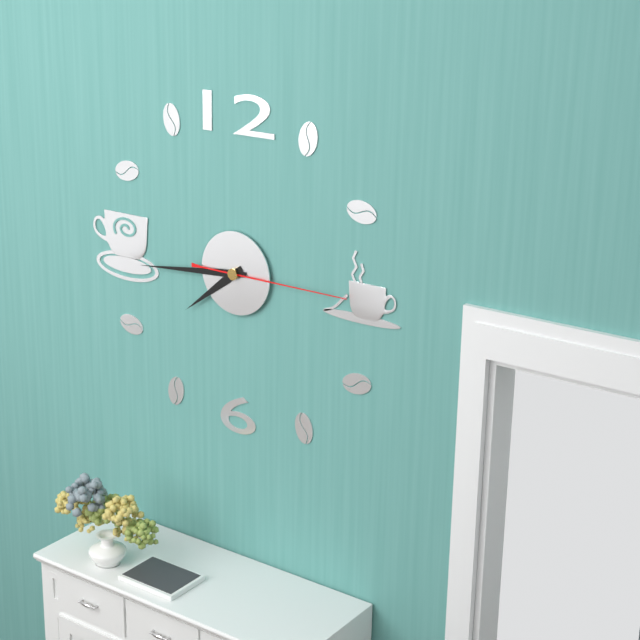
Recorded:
7.44.15
